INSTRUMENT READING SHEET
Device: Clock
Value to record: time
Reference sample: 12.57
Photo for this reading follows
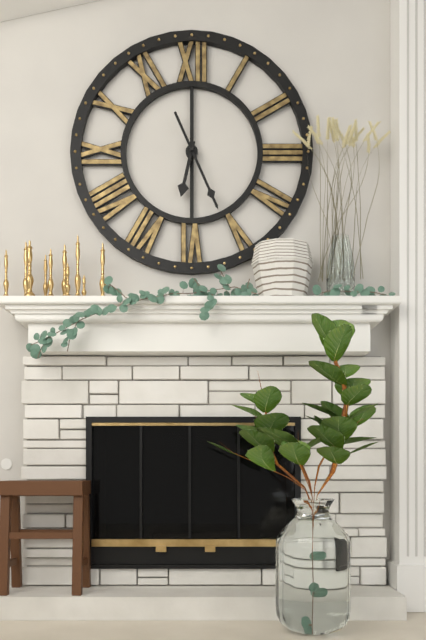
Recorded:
6.26
